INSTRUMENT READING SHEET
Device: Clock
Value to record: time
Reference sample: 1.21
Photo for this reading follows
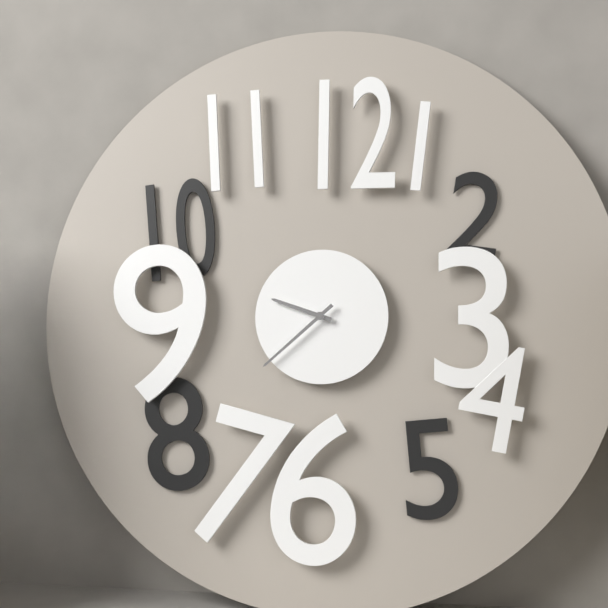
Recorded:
9.38
